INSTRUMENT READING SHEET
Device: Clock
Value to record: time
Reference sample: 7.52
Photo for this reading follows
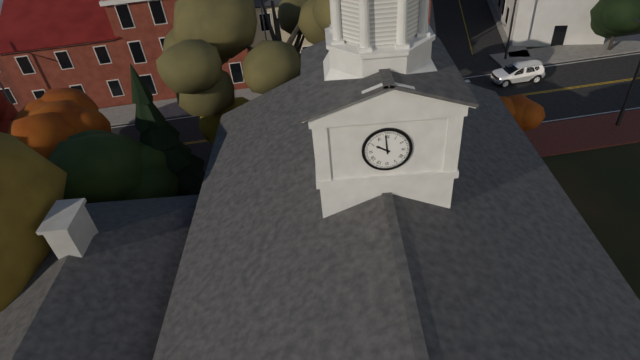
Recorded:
9.59
